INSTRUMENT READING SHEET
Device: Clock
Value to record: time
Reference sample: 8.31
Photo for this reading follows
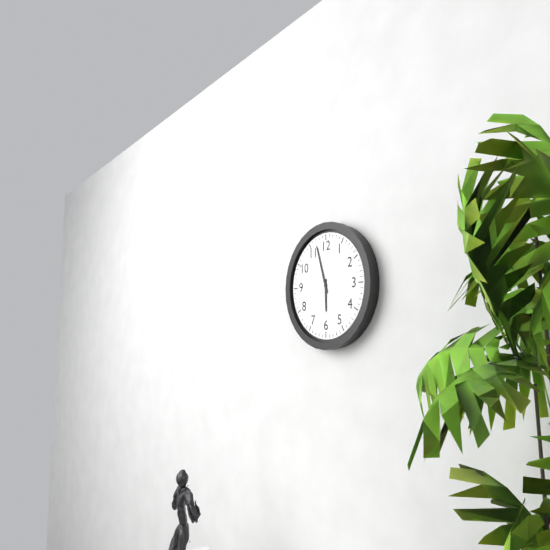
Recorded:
5.57
